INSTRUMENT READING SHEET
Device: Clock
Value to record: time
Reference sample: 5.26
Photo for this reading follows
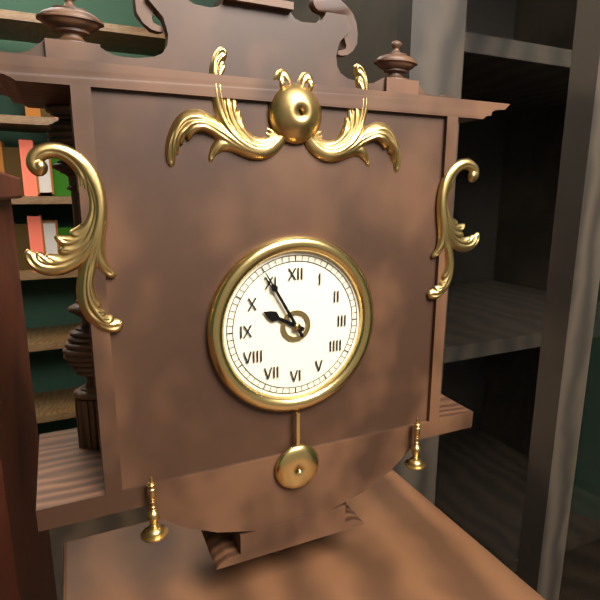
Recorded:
9.55
